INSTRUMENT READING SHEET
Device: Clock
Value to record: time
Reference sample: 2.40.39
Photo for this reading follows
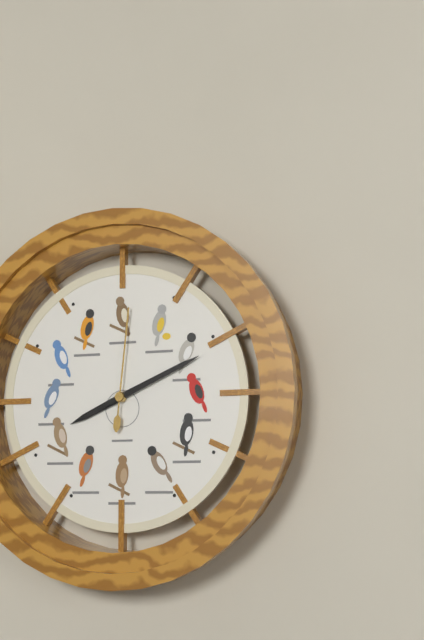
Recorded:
8.11.01
